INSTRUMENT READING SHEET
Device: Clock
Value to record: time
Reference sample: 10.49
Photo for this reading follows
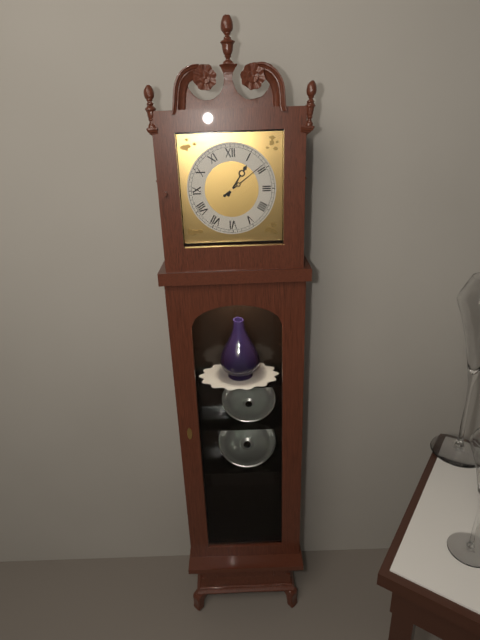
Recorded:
1.09
